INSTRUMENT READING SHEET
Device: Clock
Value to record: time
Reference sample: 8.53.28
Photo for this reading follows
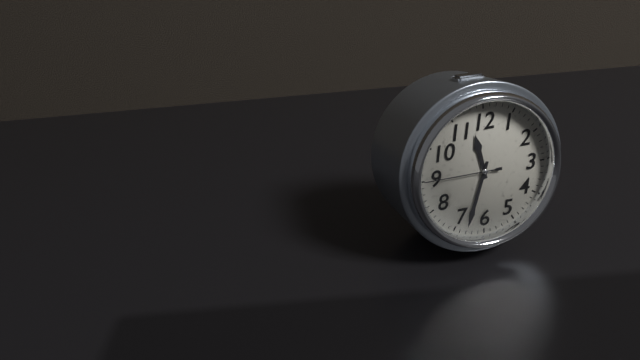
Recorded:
11.33.45
